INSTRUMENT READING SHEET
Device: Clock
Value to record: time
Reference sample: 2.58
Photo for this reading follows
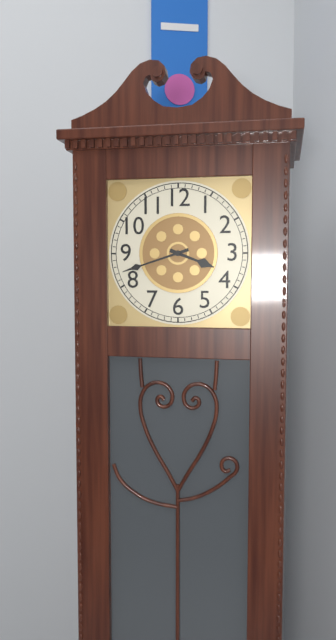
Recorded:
3.42
